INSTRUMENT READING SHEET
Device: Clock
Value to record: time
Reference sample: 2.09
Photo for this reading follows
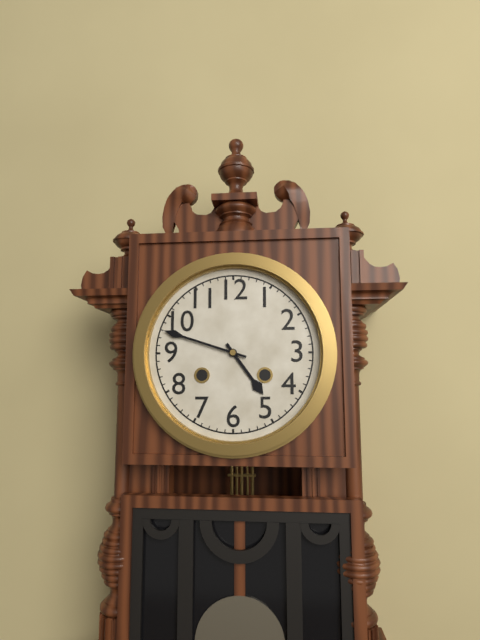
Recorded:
4.48
